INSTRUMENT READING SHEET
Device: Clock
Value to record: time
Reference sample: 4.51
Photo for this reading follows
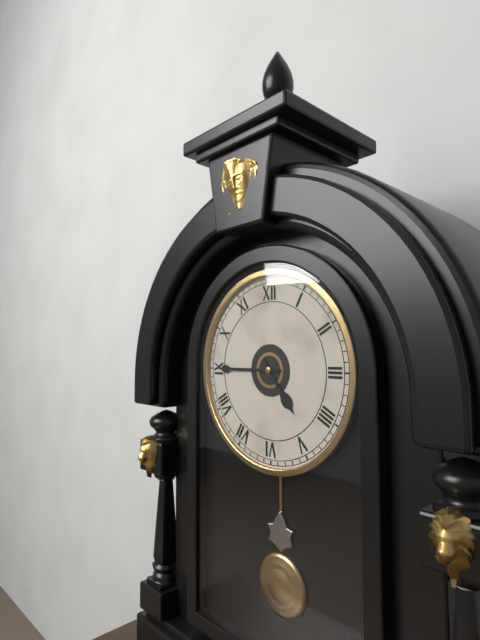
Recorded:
4.45
